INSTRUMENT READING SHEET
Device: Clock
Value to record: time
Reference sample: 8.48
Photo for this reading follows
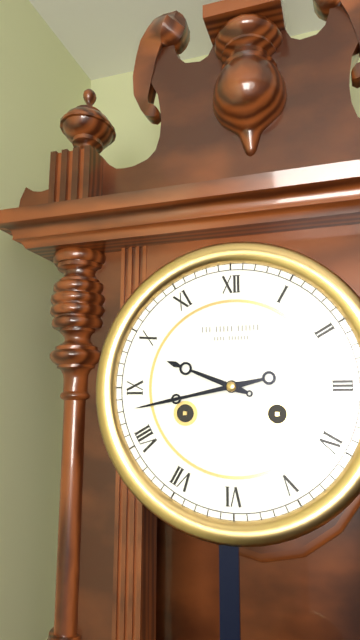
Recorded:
9.43
